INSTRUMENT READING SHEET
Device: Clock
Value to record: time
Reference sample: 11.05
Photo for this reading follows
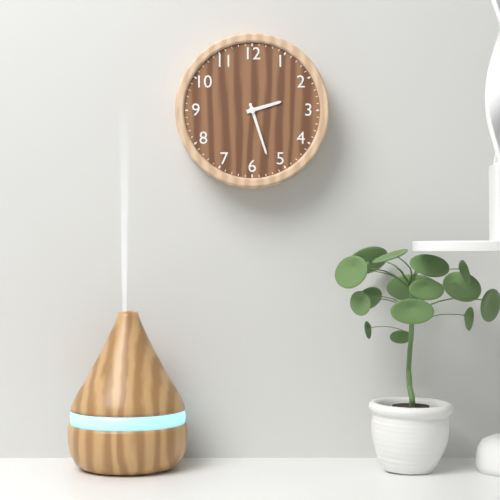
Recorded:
2.27
